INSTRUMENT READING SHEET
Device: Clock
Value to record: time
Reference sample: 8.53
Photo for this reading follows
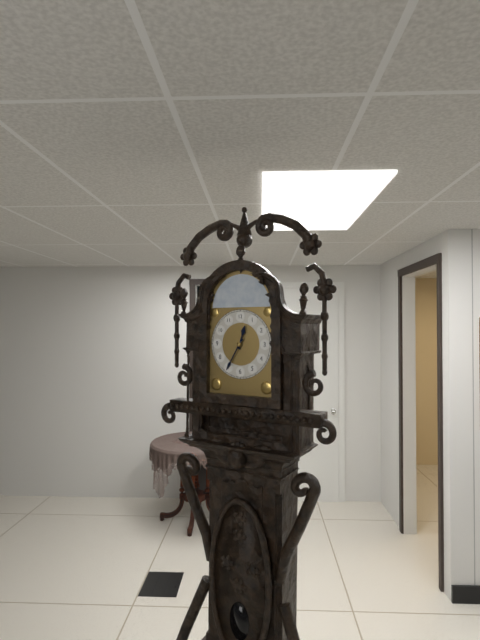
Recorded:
12.35
